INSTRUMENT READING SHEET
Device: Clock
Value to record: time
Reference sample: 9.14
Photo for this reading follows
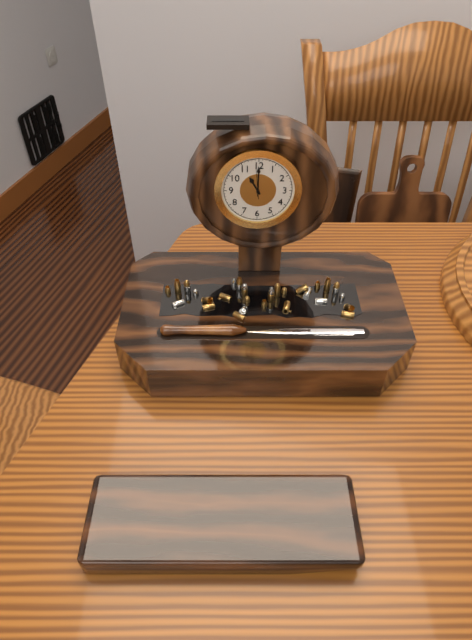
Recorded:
11.00
